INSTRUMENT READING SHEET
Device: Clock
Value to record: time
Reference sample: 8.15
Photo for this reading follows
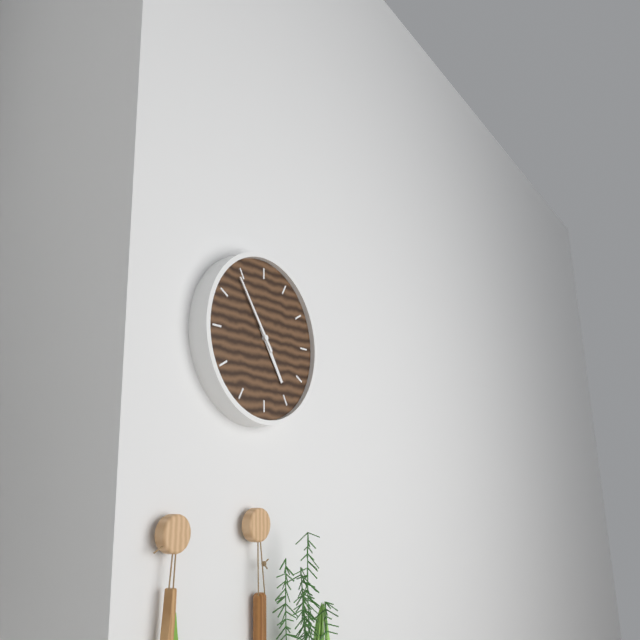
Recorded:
4.54
